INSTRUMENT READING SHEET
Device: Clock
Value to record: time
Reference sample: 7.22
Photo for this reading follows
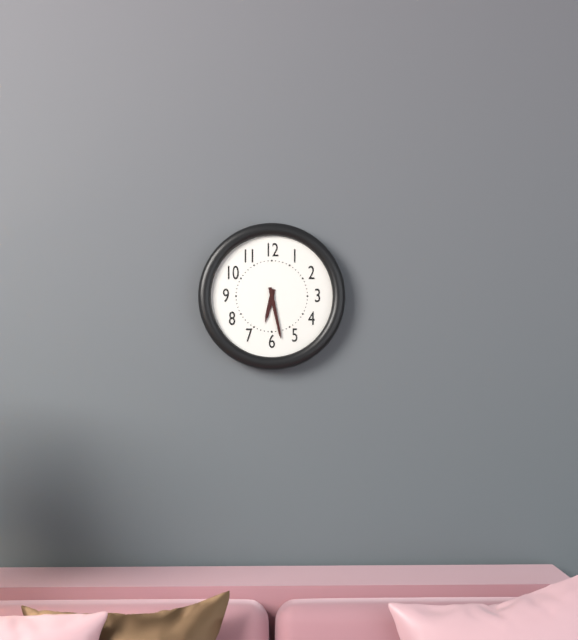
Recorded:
6.28
